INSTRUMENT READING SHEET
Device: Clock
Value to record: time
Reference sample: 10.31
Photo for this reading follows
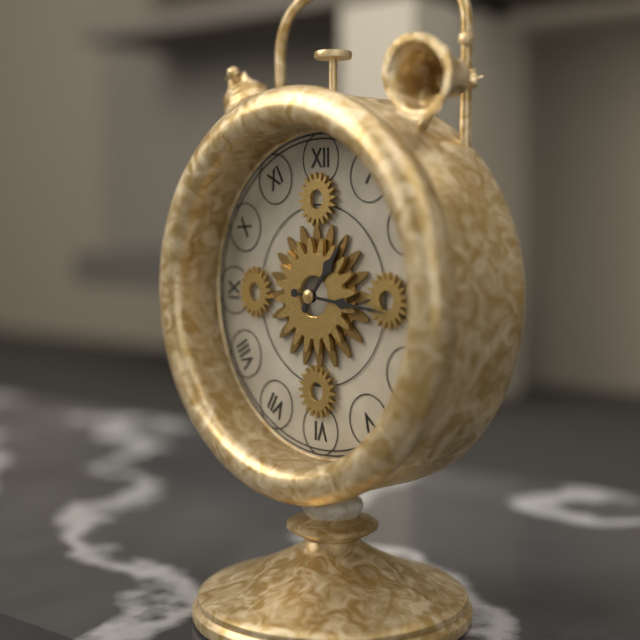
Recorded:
1.16
